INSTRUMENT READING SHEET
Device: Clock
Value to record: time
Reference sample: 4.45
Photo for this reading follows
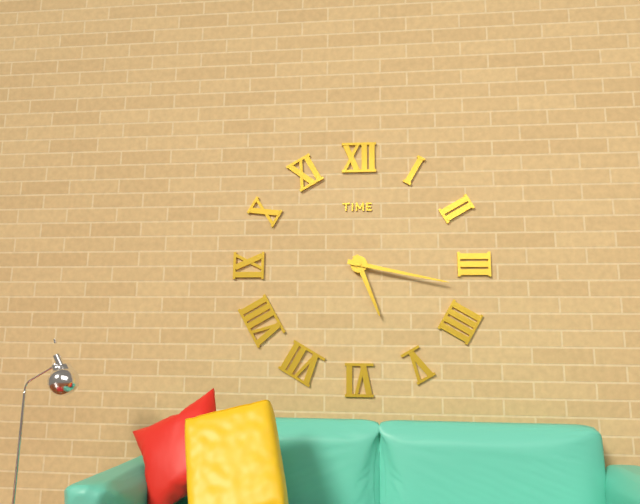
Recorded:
5.17
